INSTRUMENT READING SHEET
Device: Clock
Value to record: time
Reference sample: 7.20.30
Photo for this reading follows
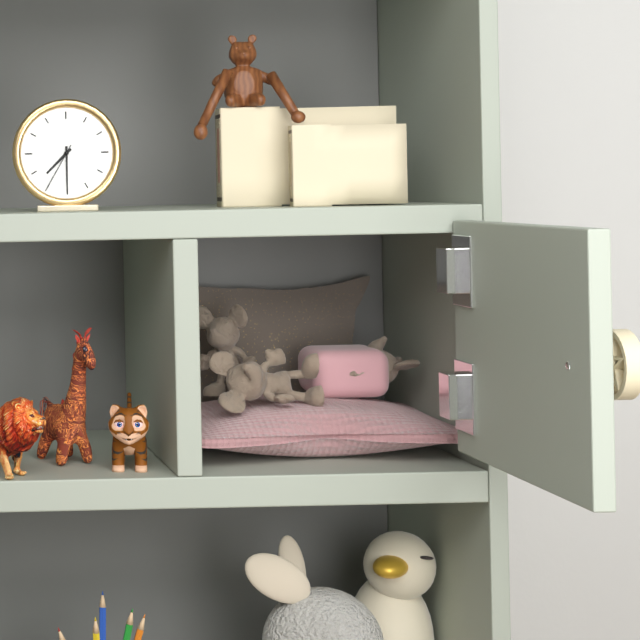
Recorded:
7.30.35
